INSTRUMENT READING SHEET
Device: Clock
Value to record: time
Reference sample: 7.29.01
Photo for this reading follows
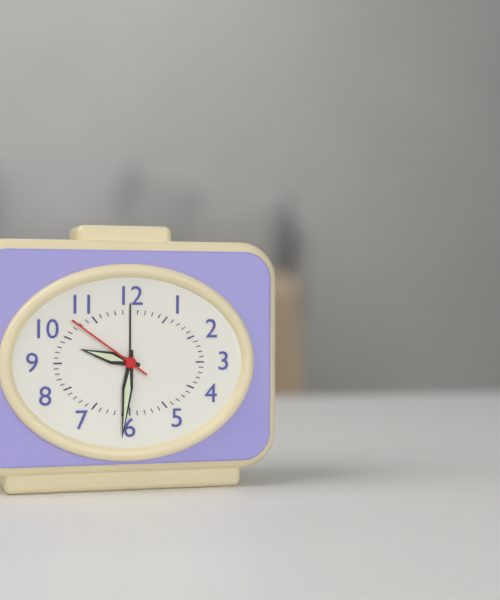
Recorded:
9.31.51
